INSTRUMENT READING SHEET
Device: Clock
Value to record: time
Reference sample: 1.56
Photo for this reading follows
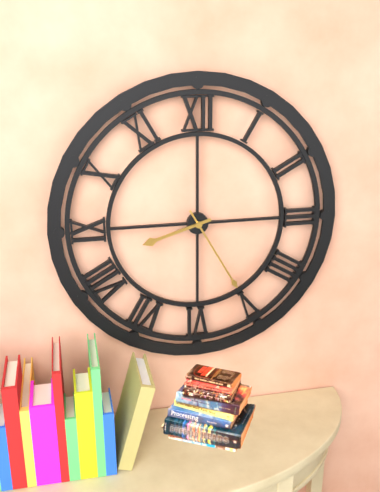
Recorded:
8.25
